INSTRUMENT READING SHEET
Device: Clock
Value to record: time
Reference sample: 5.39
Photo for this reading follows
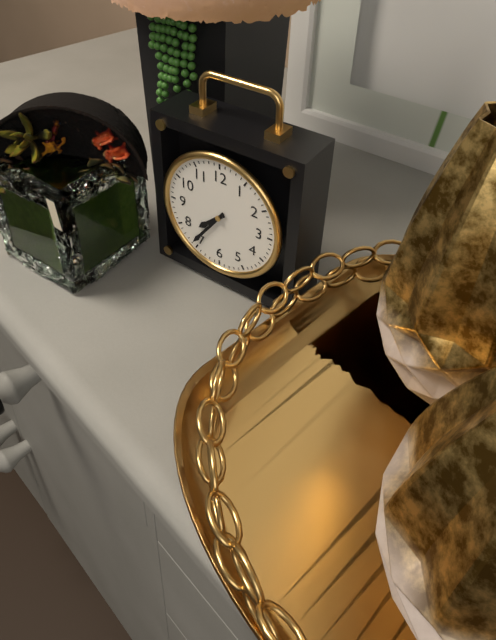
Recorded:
7.36
